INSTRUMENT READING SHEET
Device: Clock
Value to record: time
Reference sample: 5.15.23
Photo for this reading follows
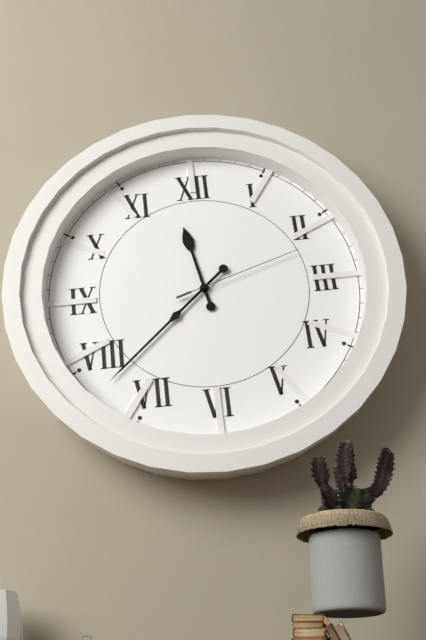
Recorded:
11.38.12
